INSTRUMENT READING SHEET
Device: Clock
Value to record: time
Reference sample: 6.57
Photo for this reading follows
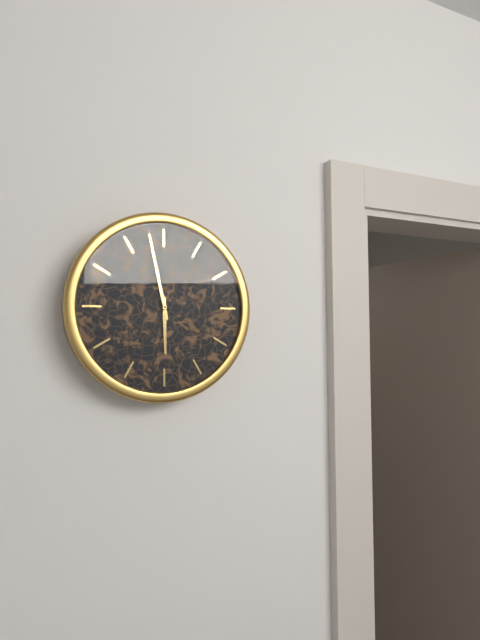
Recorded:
5.58
